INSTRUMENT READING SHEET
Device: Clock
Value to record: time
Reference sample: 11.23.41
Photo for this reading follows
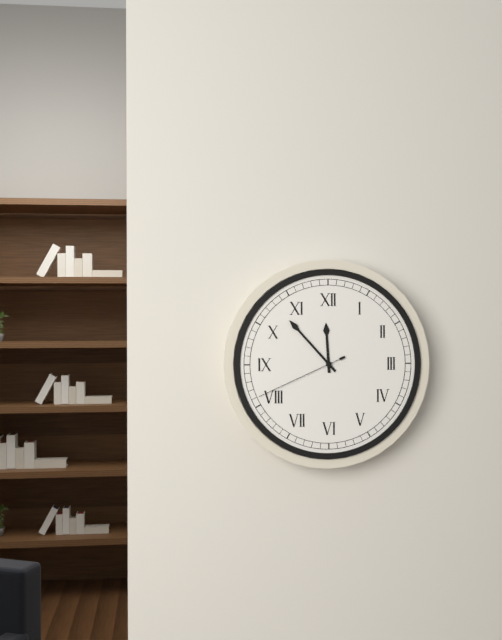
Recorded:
11.53.41
